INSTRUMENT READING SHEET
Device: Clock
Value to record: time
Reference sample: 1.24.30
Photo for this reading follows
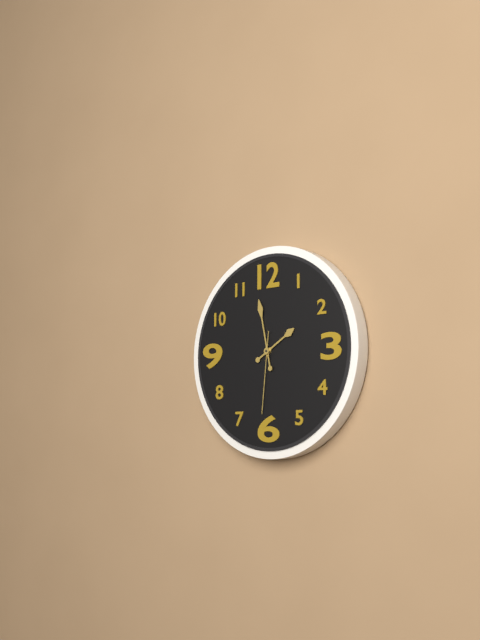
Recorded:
1.58.31
